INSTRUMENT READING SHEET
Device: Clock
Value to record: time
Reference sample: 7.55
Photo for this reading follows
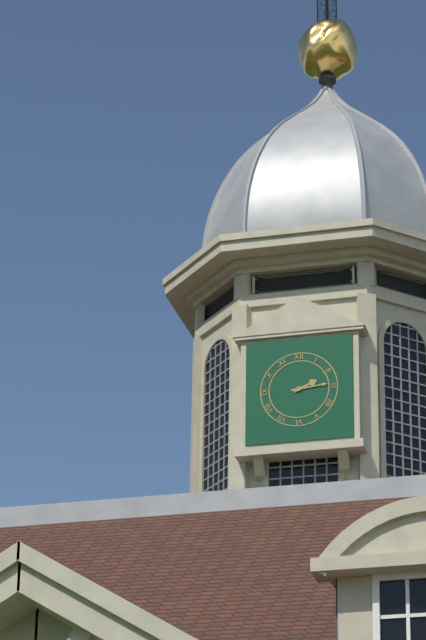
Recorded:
2.14
